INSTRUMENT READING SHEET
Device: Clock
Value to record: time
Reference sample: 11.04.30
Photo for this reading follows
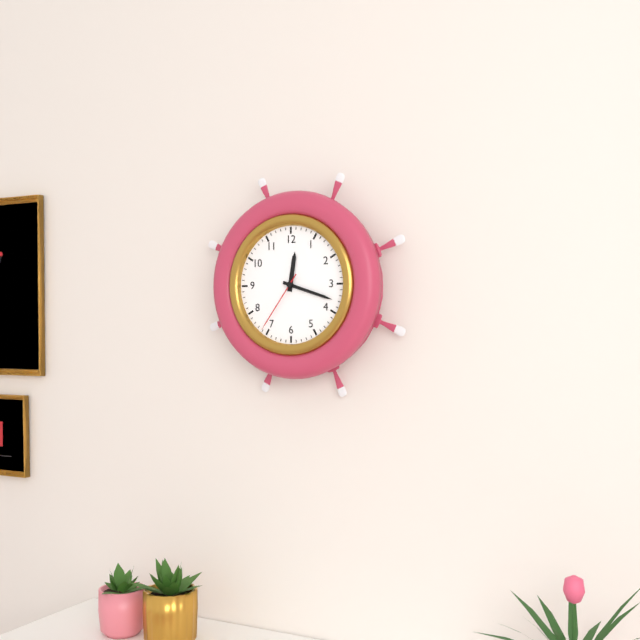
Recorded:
12.18.36
